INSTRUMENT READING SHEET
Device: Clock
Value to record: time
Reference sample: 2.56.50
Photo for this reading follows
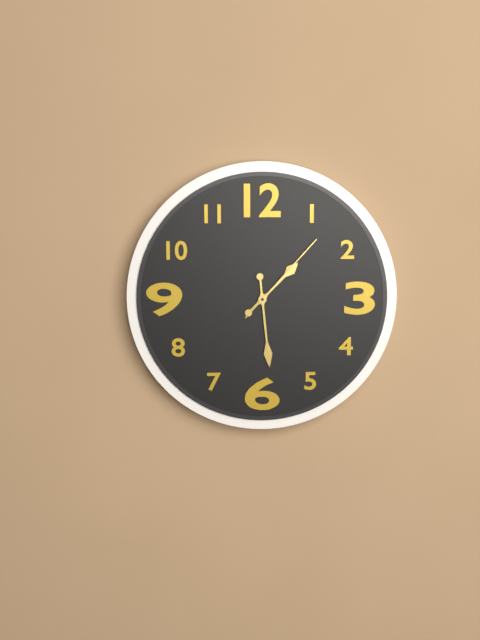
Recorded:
1.29.07
